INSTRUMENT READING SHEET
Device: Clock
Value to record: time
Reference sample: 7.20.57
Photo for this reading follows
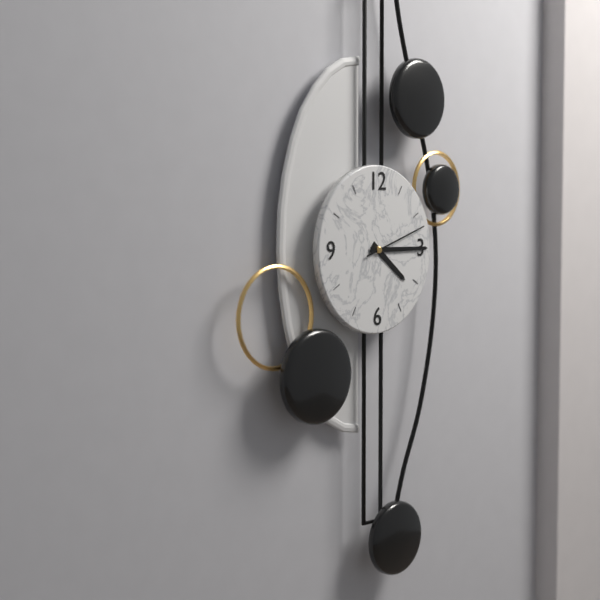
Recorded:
4.15.12
